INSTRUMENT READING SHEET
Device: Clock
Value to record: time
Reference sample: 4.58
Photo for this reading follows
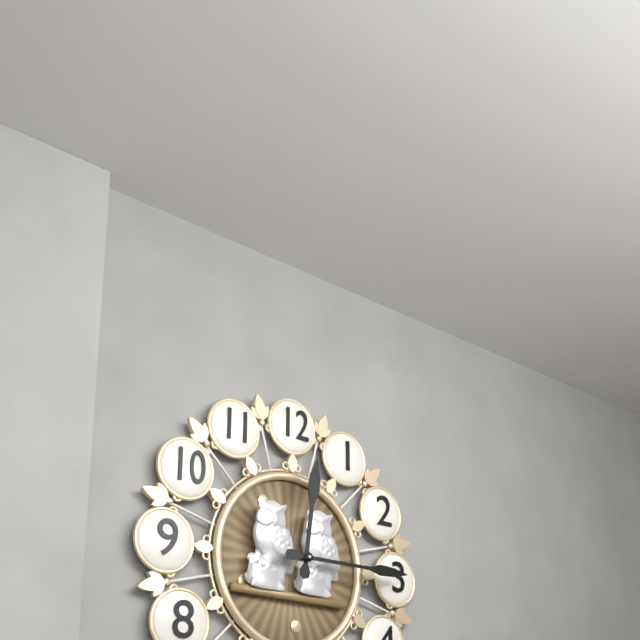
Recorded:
12.15
